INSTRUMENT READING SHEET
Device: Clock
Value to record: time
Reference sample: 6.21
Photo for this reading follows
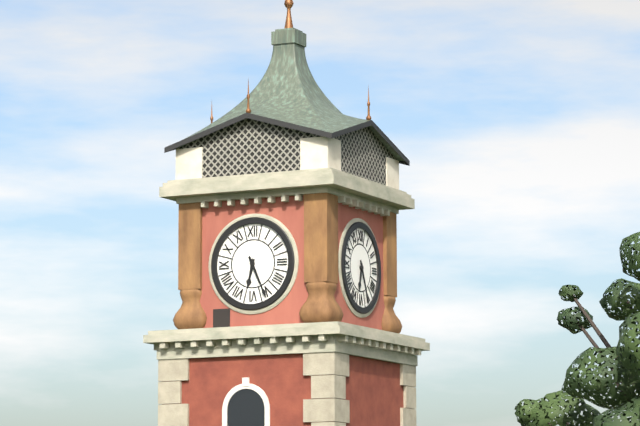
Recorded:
6.26
